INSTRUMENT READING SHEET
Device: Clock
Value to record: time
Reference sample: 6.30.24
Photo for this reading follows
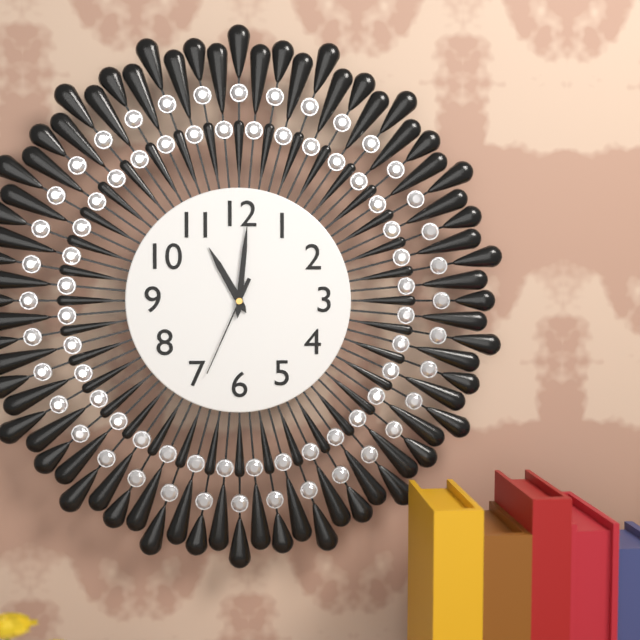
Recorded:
11.01.34
